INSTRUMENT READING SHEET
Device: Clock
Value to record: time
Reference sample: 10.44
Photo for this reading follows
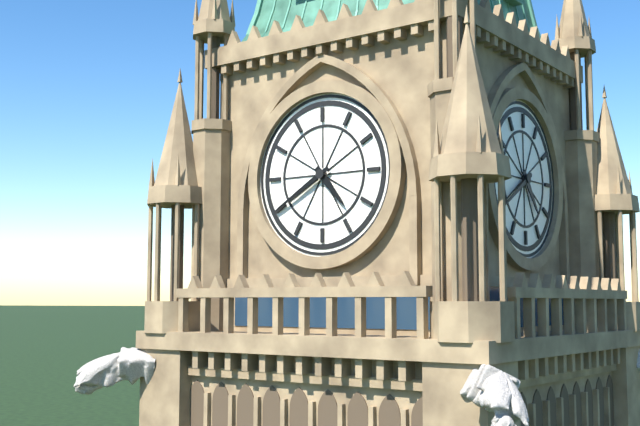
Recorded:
4.40
